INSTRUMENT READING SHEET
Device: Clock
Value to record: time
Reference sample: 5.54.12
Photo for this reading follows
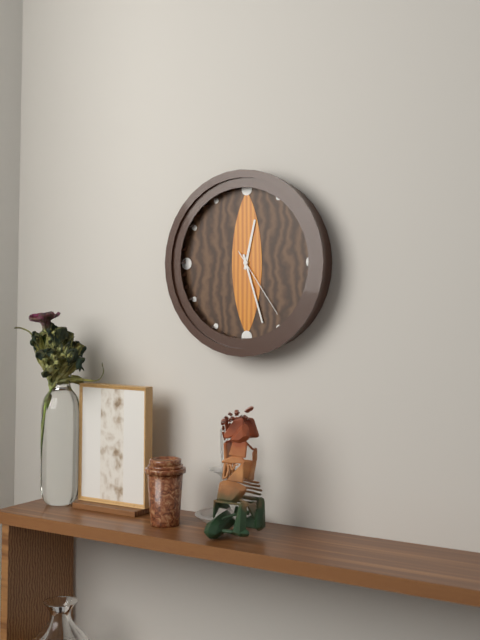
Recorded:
12.27.24
